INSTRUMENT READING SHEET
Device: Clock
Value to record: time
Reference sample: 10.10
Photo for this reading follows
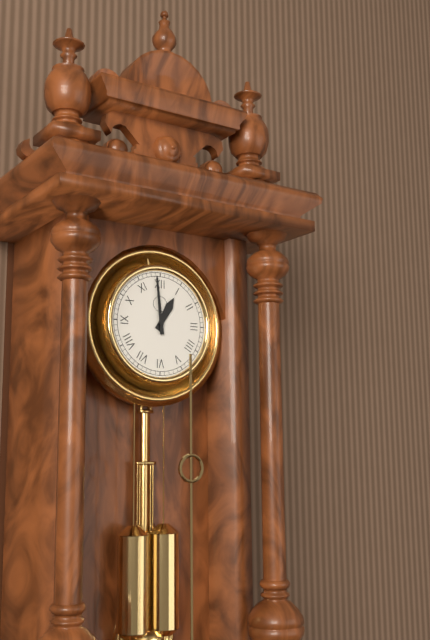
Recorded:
12.59
